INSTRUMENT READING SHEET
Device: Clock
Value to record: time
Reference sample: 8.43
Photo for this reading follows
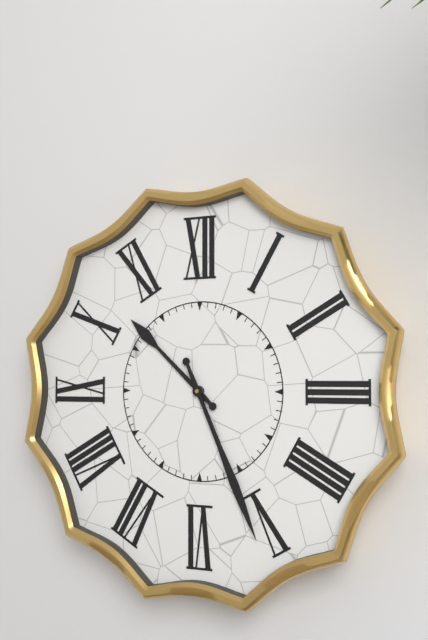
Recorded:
10.26
